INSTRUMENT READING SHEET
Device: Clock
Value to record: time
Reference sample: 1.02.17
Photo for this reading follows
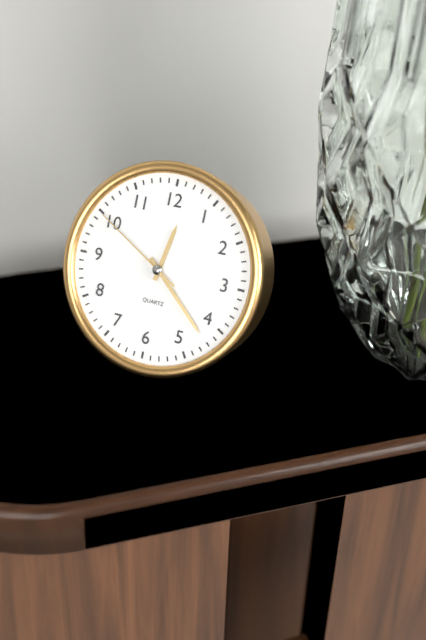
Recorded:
12.22.50
